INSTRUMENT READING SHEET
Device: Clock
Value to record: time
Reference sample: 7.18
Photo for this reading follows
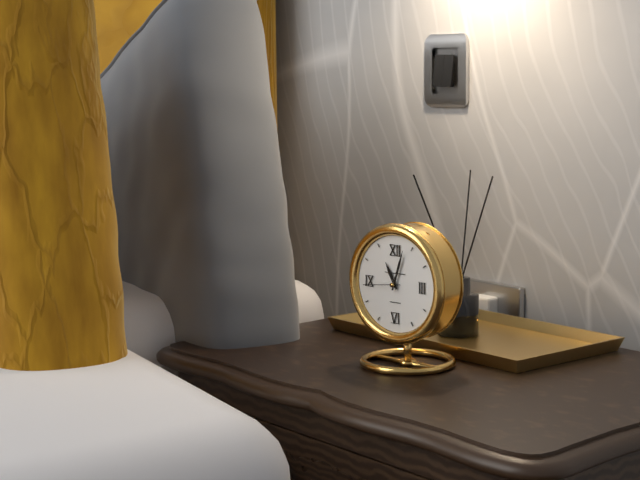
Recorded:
11.03
